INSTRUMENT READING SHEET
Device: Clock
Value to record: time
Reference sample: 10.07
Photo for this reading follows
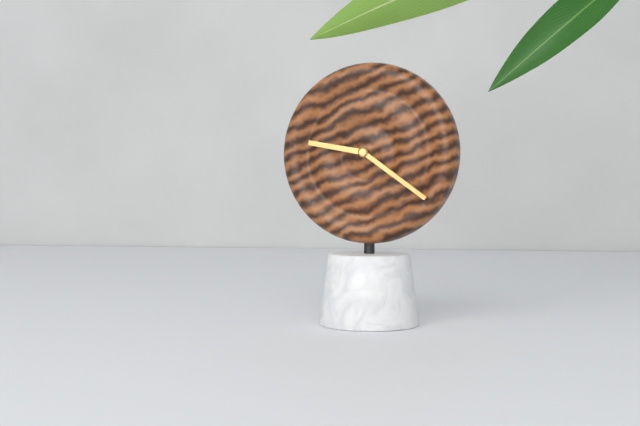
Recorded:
9.21
